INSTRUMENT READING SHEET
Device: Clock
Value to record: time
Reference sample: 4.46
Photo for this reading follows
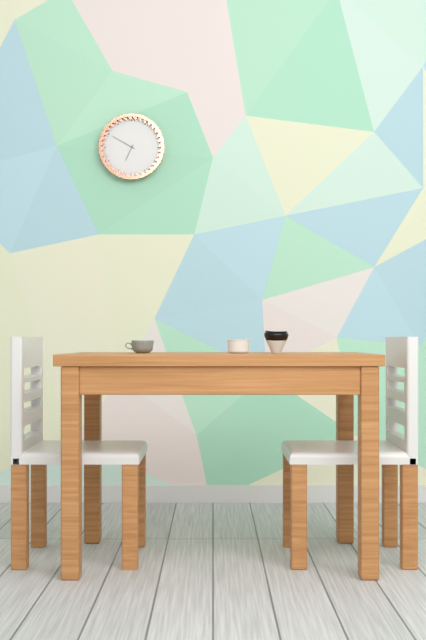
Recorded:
6.50
